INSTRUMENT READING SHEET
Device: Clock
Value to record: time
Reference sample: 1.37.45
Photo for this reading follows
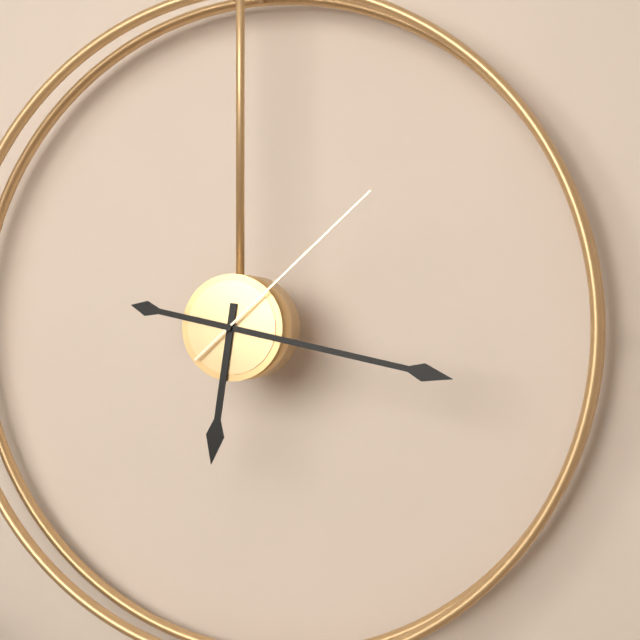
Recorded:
6.17.08
